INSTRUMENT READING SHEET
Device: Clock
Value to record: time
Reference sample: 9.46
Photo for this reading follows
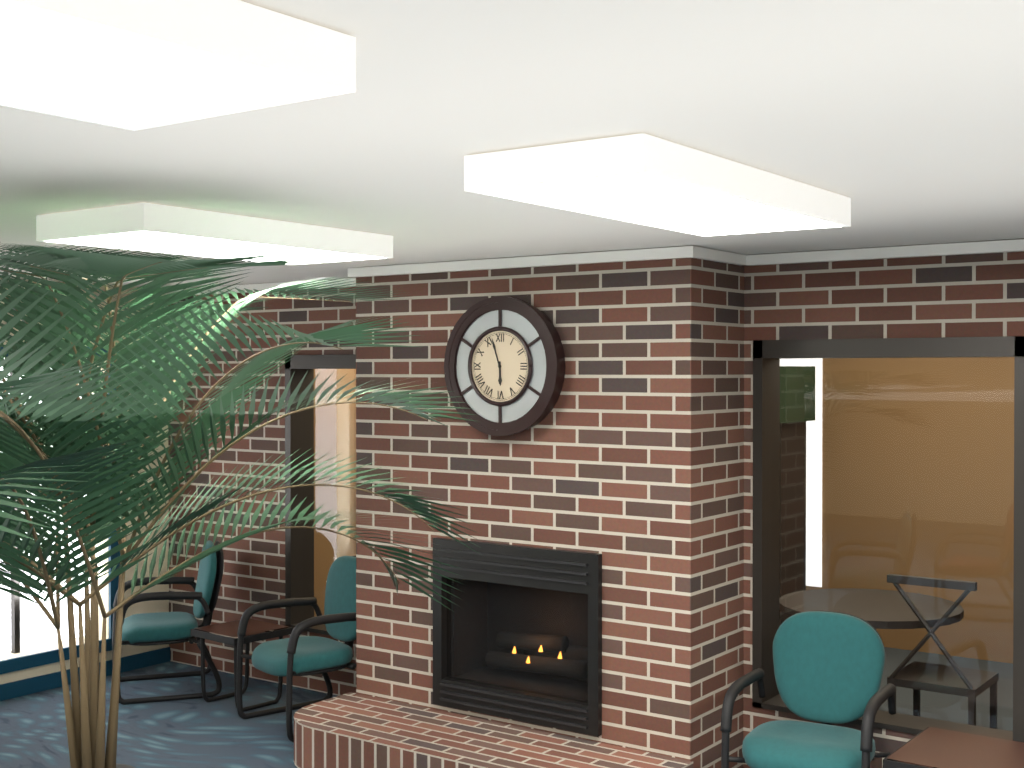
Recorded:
5.57
